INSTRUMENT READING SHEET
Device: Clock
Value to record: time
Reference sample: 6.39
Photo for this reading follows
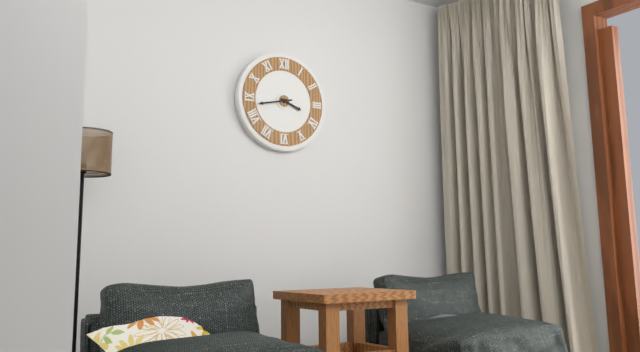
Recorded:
3.43
